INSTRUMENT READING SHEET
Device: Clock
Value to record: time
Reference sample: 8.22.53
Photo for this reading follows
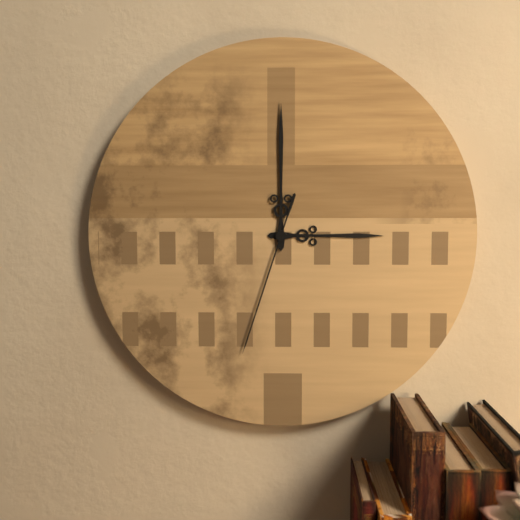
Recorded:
3.00.33
